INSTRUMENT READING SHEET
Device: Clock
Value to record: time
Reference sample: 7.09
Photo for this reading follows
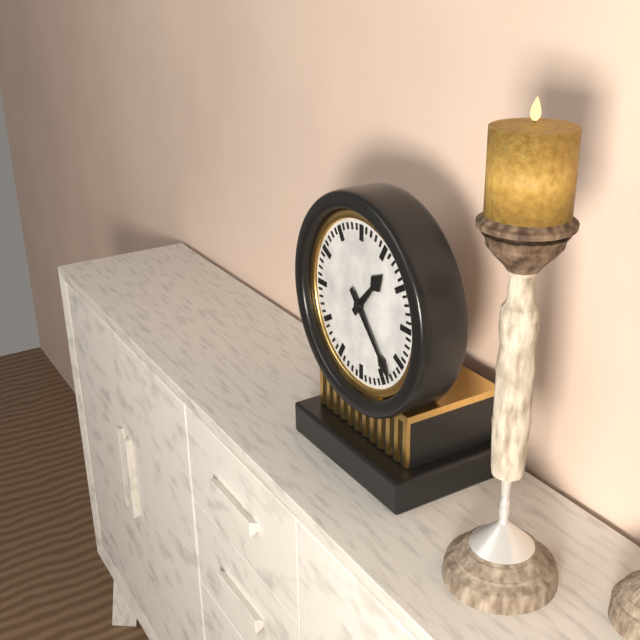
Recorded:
1.23
